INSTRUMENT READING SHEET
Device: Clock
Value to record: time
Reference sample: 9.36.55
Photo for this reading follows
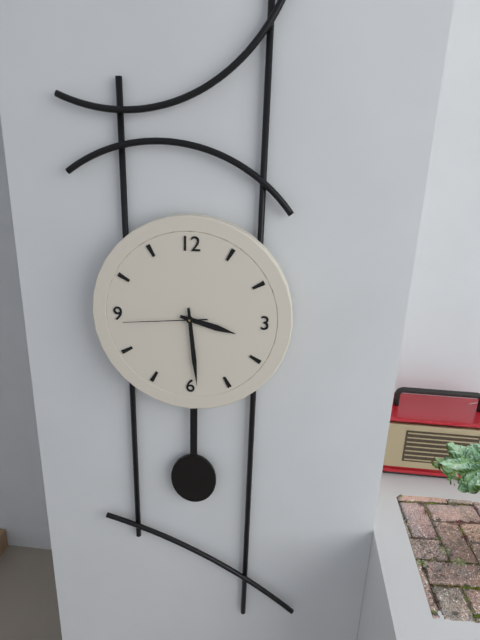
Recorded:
3.29.44
